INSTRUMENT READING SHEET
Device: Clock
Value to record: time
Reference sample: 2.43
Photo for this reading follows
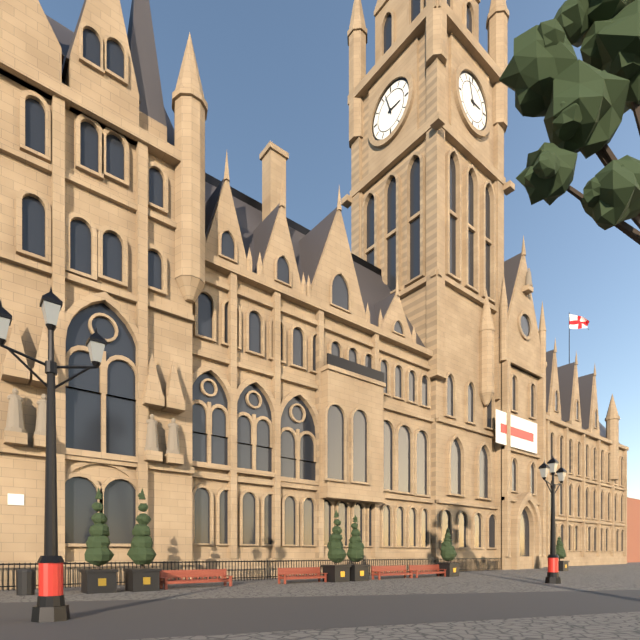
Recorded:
2.57
